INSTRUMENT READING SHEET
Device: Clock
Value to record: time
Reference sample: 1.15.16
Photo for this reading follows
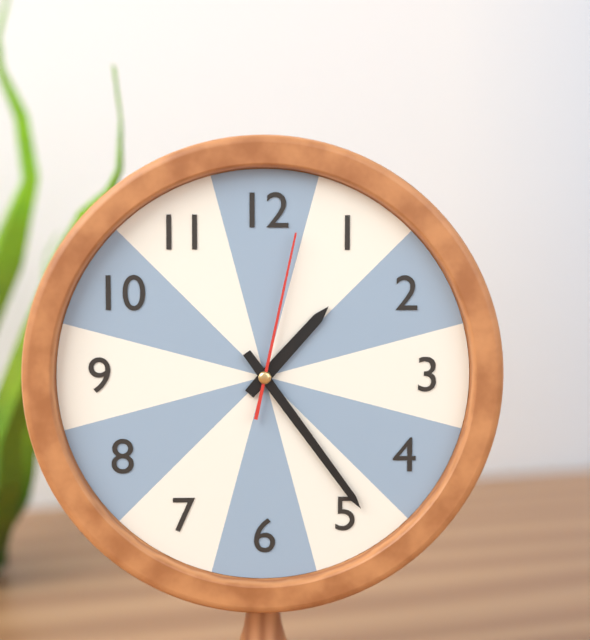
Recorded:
1.24.02
